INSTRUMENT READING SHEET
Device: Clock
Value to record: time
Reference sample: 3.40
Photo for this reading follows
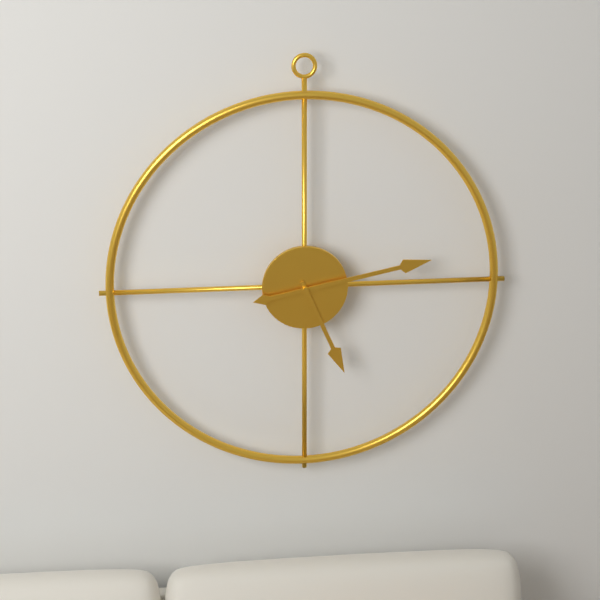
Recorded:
5.13
